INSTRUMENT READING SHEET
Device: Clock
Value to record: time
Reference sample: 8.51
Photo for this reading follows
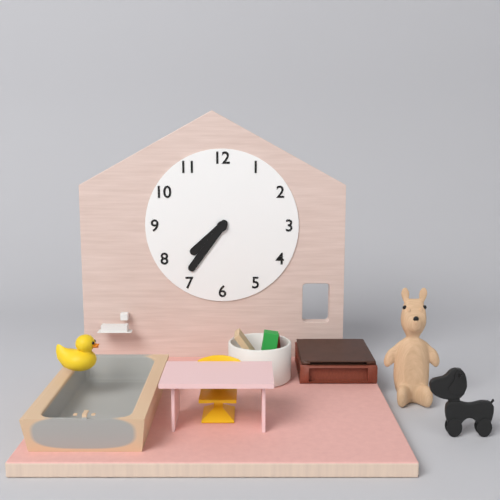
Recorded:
7.36
